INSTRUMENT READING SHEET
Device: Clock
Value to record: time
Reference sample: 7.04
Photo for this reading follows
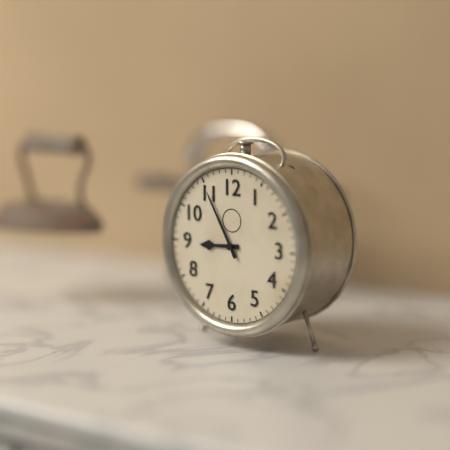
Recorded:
8.55
